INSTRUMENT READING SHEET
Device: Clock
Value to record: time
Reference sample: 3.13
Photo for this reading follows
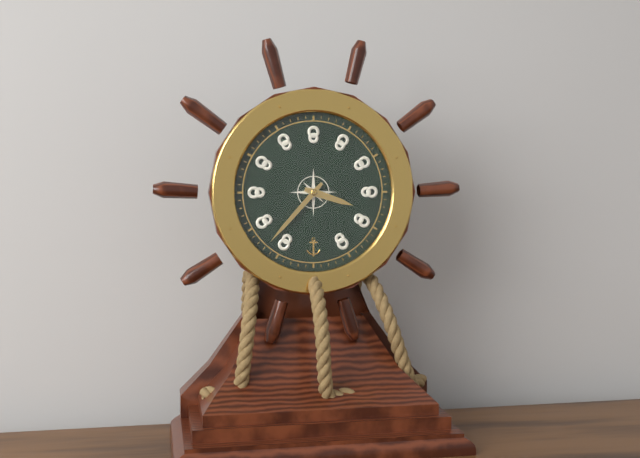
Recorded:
3.37
